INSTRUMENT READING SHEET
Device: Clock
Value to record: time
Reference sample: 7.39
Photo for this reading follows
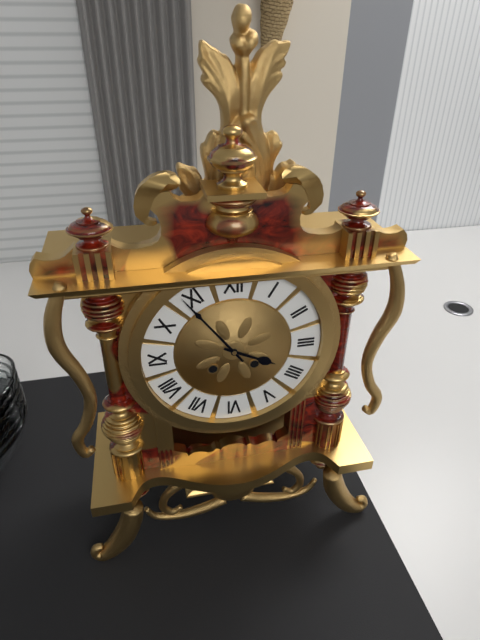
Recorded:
3.54
